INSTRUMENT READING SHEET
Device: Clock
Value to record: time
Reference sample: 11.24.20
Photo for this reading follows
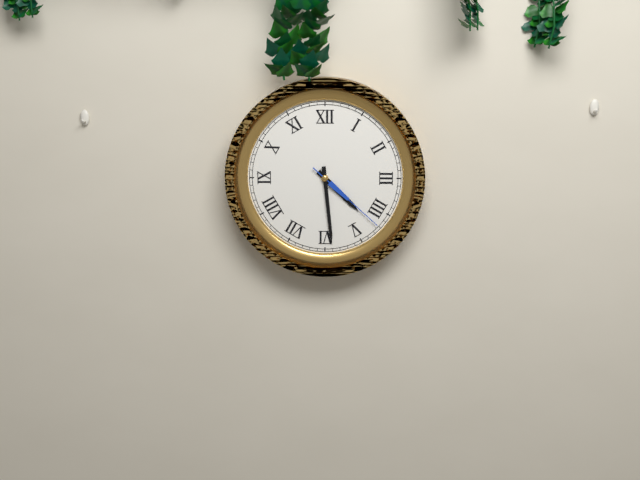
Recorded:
4.29.22
